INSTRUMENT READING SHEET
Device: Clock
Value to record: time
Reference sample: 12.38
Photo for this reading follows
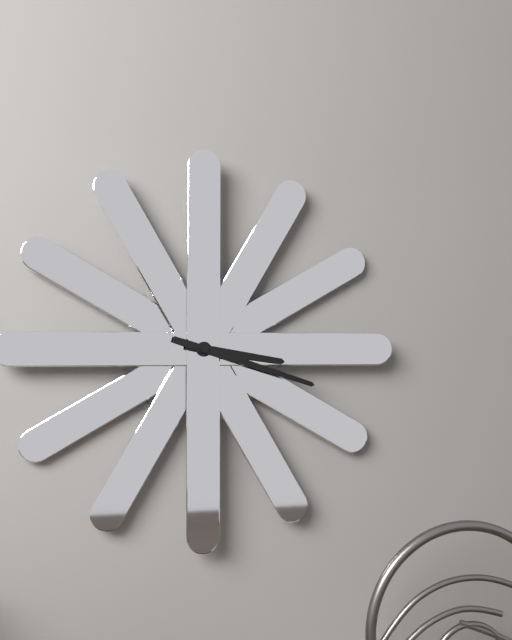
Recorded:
3.18
